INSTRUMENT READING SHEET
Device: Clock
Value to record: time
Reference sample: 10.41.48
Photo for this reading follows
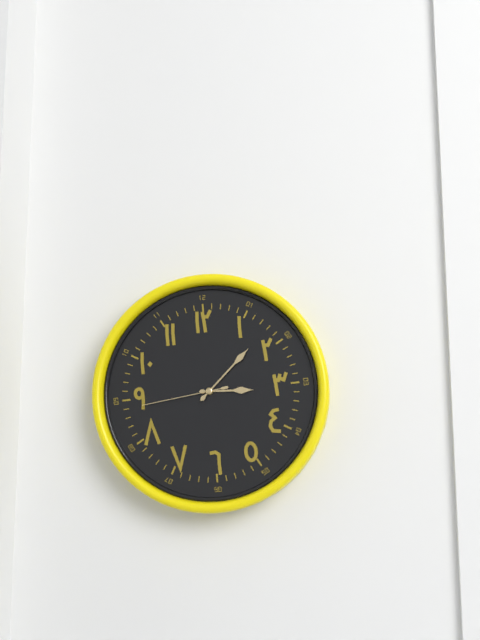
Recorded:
3.08.44
